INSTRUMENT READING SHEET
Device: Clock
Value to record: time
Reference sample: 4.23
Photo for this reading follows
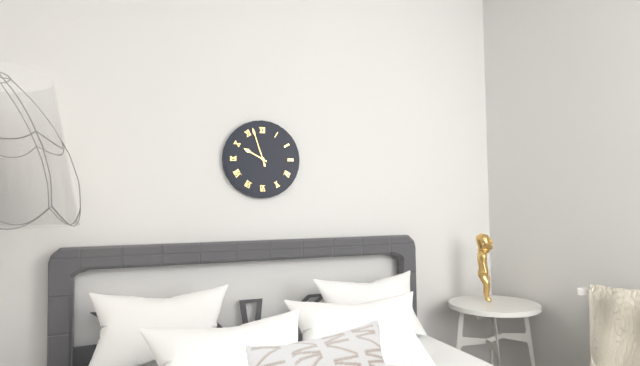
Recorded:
9.57
